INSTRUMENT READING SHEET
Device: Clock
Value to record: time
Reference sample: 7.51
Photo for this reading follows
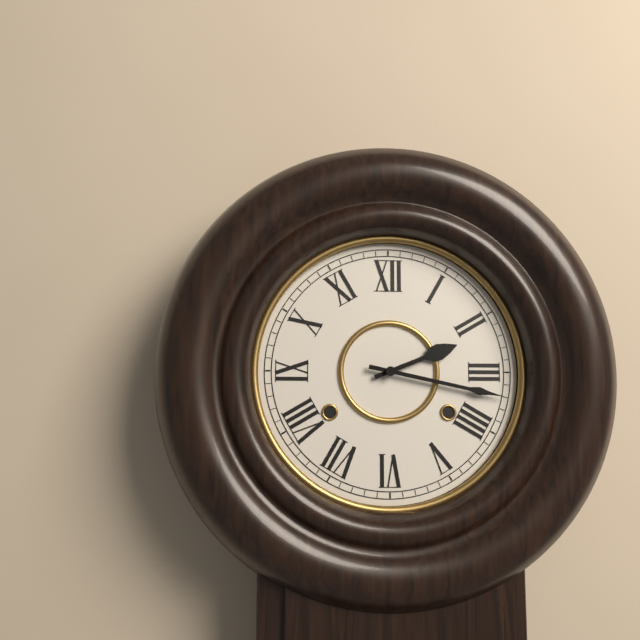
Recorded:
2.17
